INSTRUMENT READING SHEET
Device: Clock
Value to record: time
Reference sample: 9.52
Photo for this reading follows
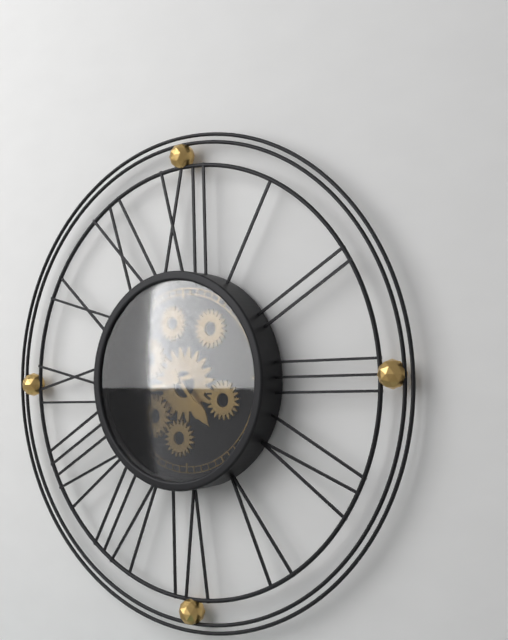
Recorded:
4.43
